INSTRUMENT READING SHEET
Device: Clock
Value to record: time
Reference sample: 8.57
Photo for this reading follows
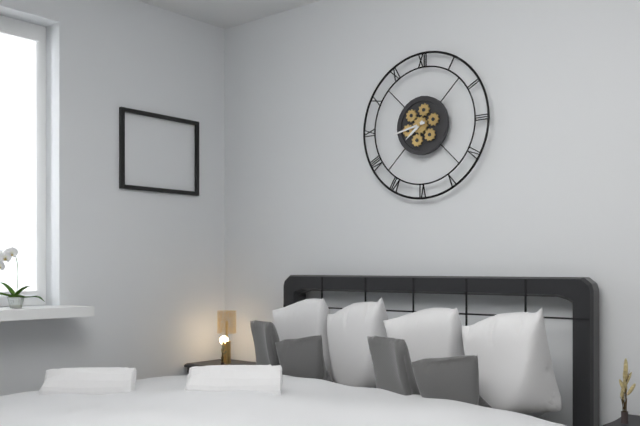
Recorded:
7.43
